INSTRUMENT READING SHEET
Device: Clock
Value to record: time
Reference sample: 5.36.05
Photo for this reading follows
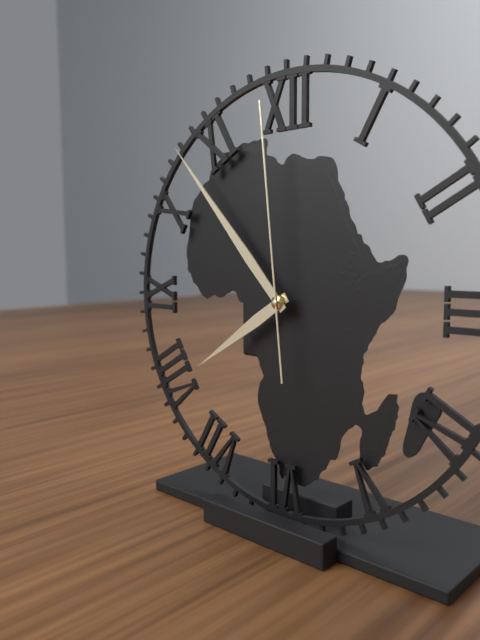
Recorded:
7.53.59
